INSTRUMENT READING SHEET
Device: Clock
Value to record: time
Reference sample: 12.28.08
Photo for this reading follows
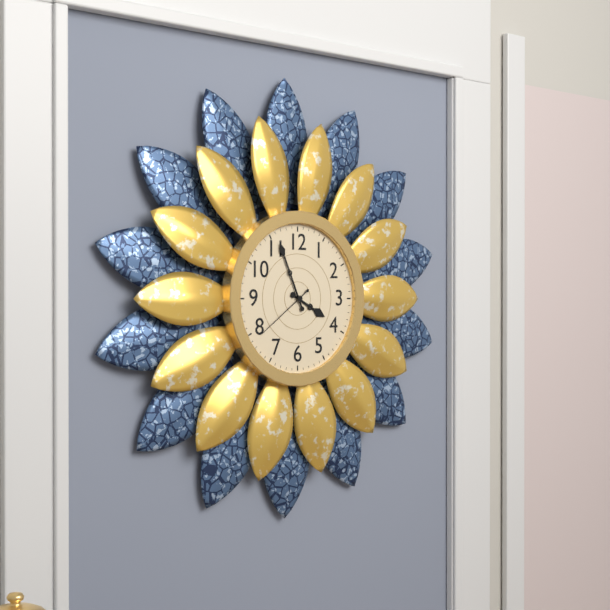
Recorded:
3.56.39
